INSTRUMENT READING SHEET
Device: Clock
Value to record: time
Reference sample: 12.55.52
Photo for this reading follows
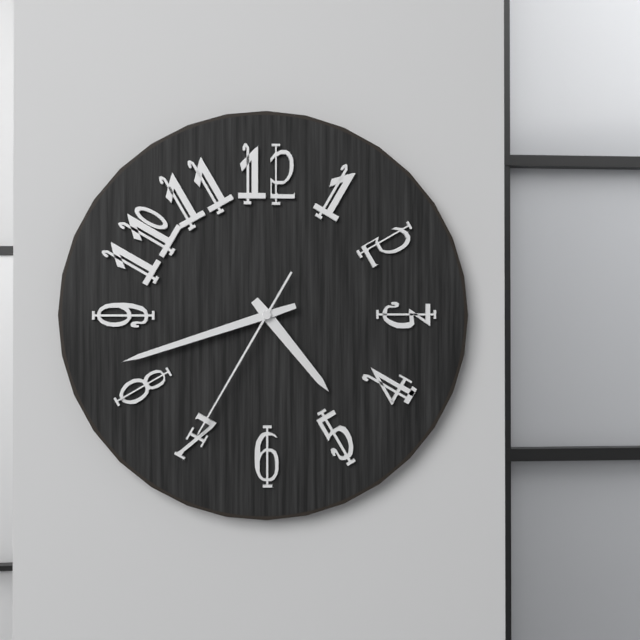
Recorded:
4.42.35
